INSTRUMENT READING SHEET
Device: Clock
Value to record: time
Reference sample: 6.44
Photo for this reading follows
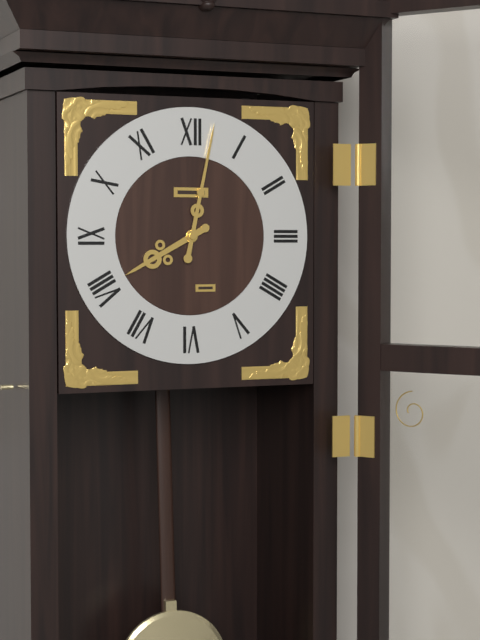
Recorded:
8.02
